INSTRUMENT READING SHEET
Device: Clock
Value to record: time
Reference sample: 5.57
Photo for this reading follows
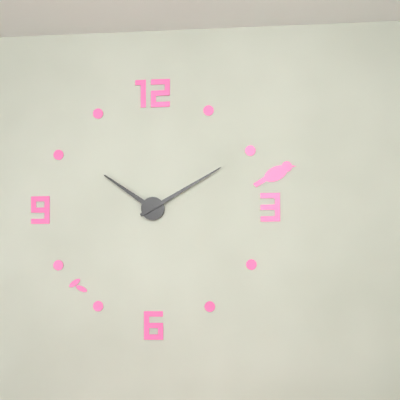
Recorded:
10.10
